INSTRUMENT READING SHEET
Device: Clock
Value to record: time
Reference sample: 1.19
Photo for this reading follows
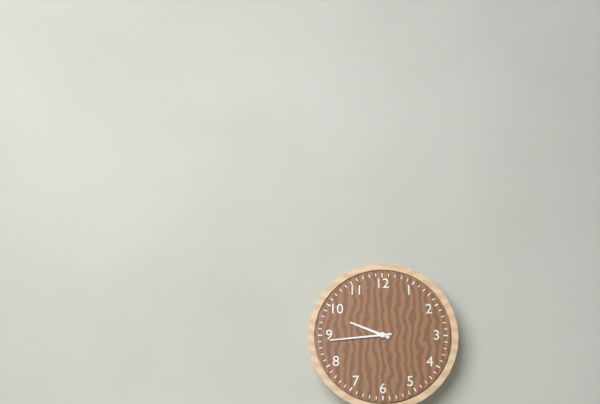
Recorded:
9.44
